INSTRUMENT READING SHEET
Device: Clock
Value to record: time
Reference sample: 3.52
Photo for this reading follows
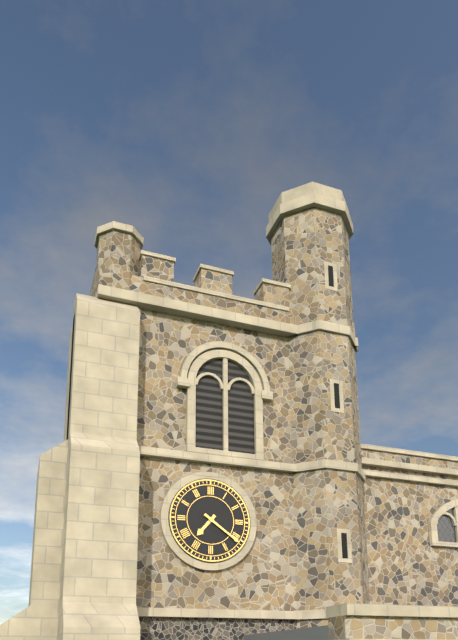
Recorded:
7.21
